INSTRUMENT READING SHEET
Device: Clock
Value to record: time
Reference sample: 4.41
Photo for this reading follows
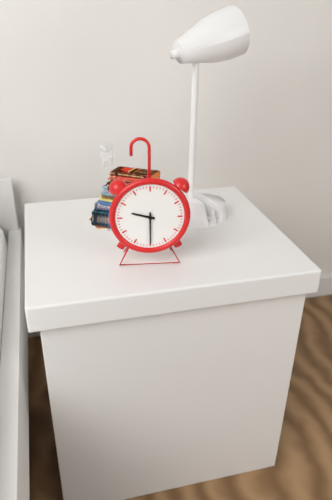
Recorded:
9.30
